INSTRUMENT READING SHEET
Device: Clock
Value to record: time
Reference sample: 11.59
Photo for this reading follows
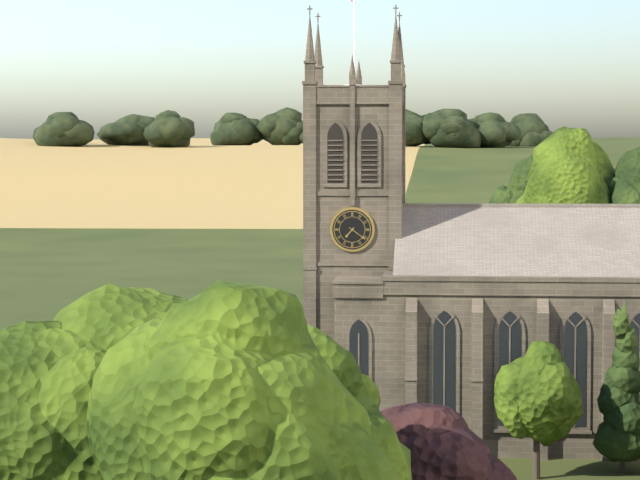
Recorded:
7.21
